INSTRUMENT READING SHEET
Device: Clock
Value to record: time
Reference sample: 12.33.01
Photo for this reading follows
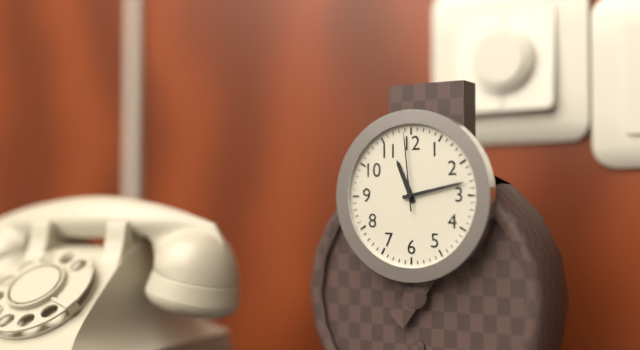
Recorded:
11.13.59
